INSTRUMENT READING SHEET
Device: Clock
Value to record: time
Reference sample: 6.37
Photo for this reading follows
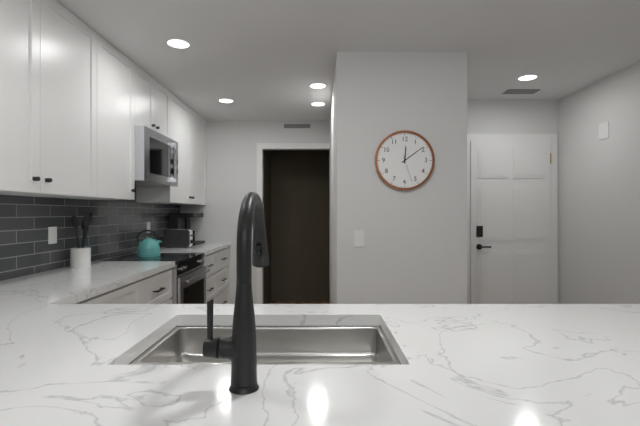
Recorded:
12.09
